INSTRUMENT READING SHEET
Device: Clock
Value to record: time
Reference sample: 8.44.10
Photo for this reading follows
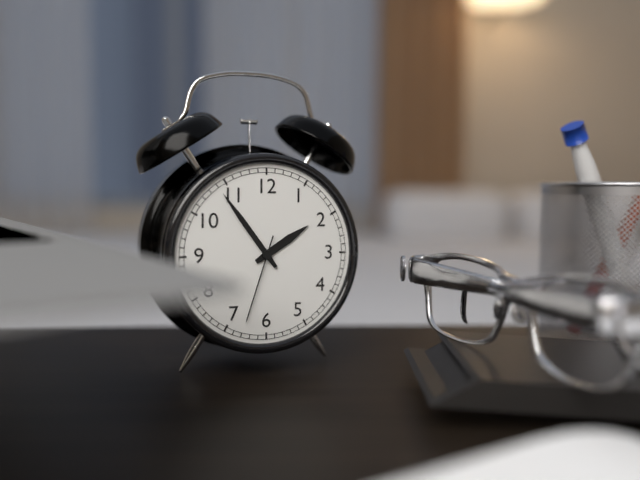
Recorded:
1.54.33
